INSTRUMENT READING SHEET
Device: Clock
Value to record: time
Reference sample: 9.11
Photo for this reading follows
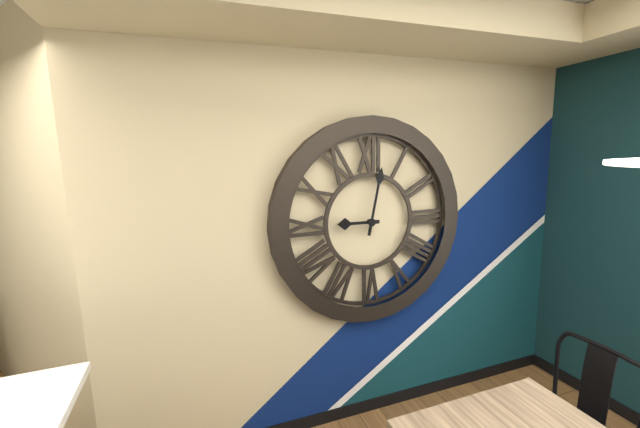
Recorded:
9.02
